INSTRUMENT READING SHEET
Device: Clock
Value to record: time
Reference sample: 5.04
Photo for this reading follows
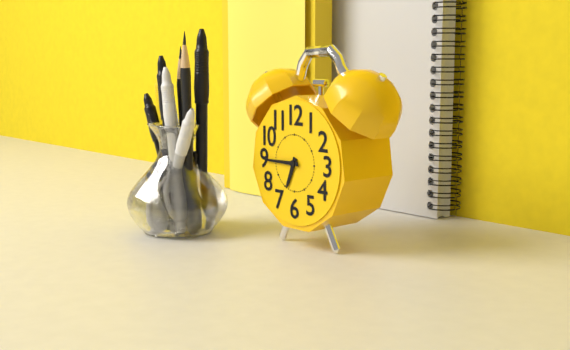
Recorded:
6.45
